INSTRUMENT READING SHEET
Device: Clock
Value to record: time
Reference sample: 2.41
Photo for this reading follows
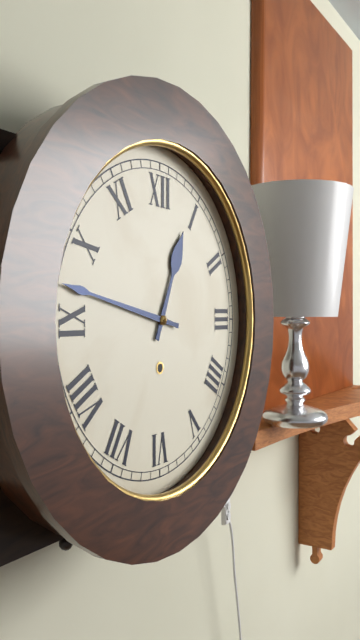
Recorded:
12.47
